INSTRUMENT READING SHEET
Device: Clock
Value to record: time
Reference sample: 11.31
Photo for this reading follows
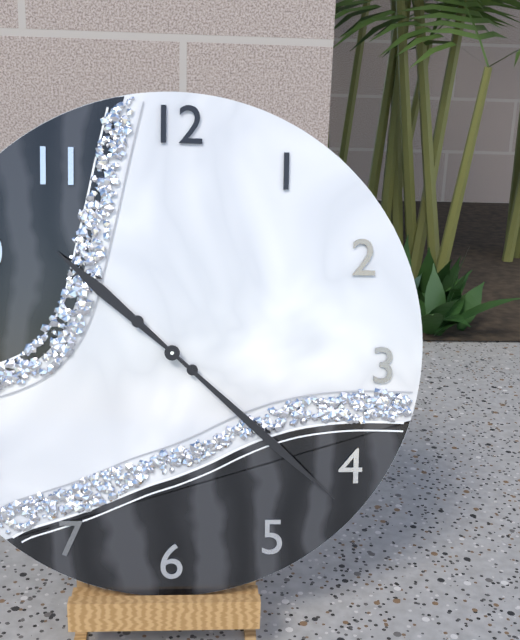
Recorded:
10.22
